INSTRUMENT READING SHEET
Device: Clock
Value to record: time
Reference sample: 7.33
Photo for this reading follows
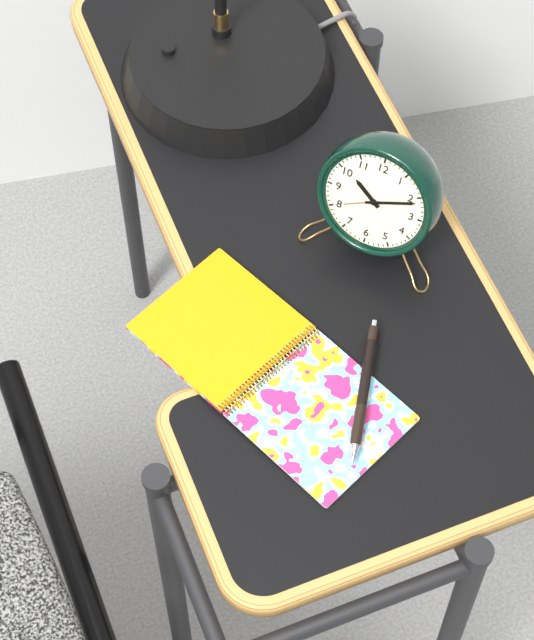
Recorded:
10.11
